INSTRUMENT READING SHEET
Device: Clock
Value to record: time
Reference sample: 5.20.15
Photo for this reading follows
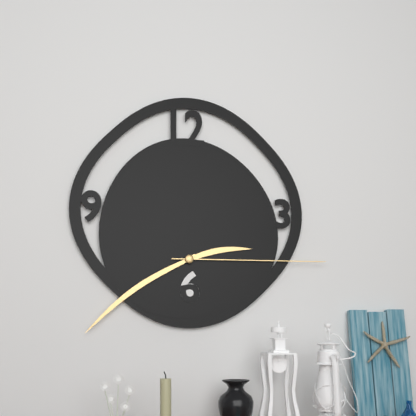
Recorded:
2.39.15
